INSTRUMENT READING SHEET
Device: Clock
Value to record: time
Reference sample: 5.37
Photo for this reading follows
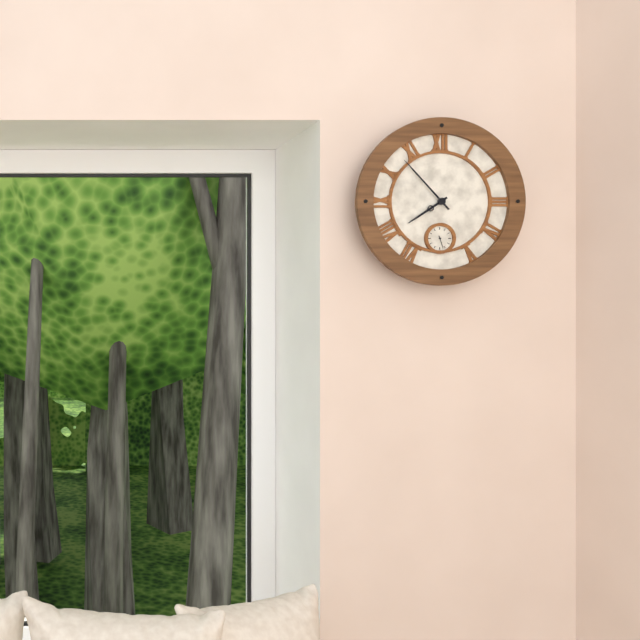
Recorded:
7.53
